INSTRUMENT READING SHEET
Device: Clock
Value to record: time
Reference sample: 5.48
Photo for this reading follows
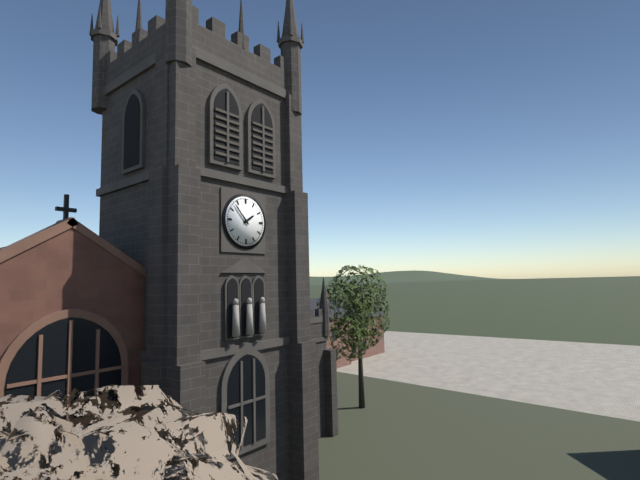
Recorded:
1.53
